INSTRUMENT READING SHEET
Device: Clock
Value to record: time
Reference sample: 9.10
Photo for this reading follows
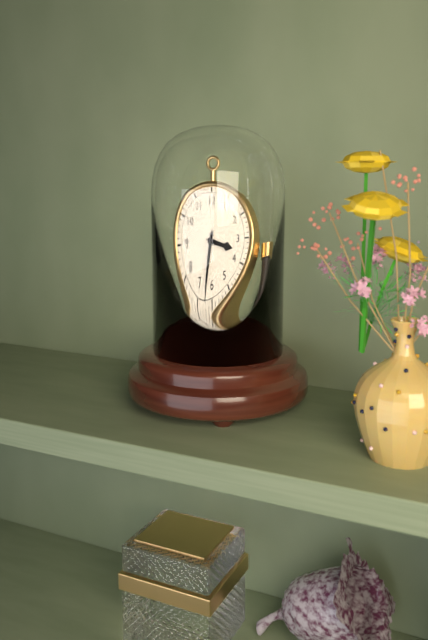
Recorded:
3.32
